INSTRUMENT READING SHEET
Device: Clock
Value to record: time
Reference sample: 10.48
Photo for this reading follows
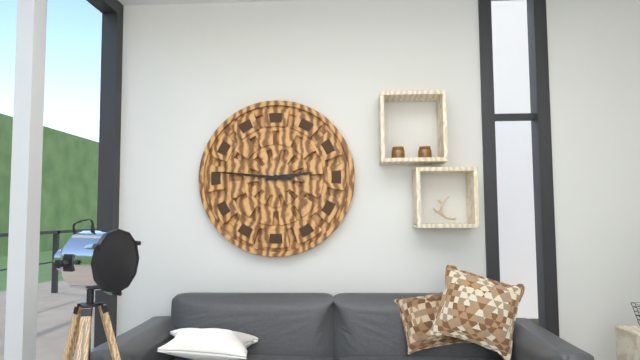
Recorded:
2.46
